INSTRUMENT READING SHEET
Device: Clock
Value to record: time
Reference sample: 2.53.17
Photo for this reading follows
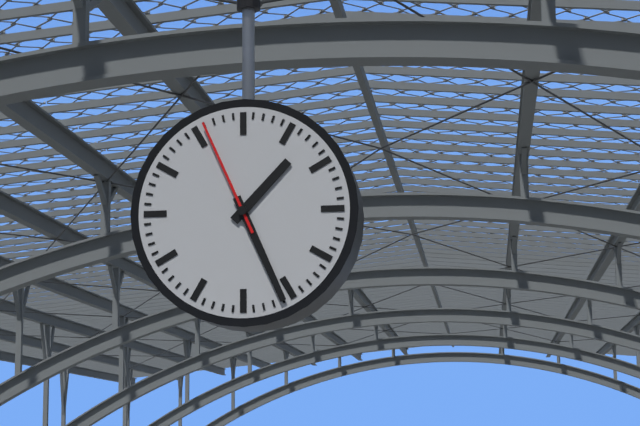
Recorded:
1.26.56
